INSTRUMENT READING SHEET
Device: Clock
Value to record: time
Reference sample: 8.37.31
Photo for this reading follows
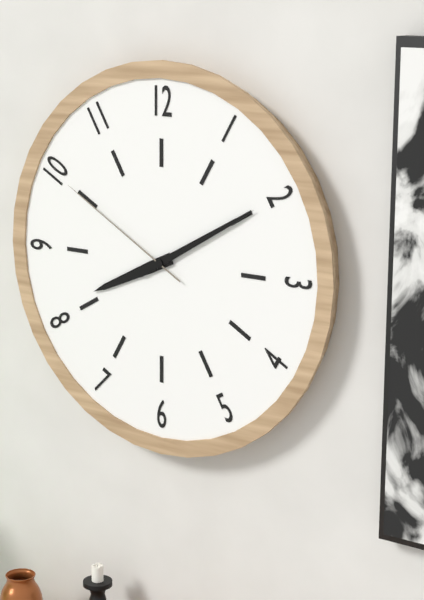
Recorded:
8.10.50
